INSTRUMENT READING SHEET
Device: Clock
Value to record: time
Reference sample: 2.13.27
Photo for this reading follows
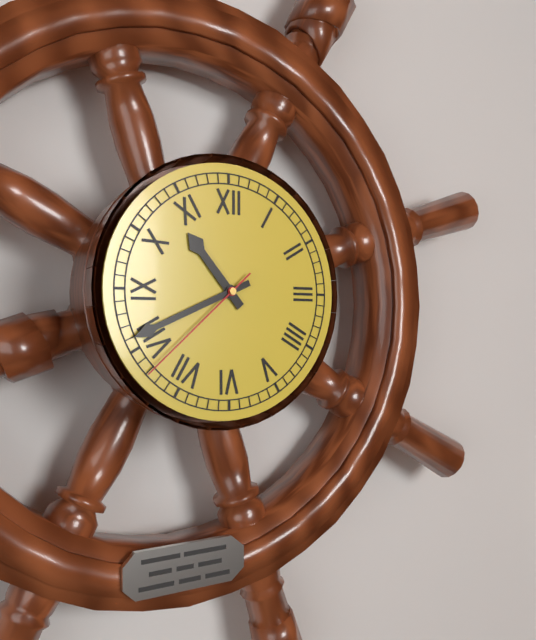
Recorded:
10.41.38
